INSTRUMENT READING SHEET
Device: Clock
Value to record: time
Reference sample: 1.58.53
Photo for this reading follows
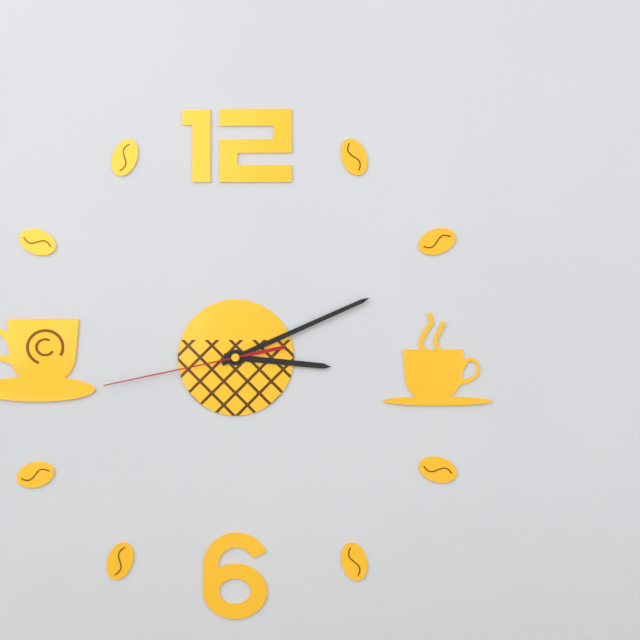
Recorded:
3.11.43
